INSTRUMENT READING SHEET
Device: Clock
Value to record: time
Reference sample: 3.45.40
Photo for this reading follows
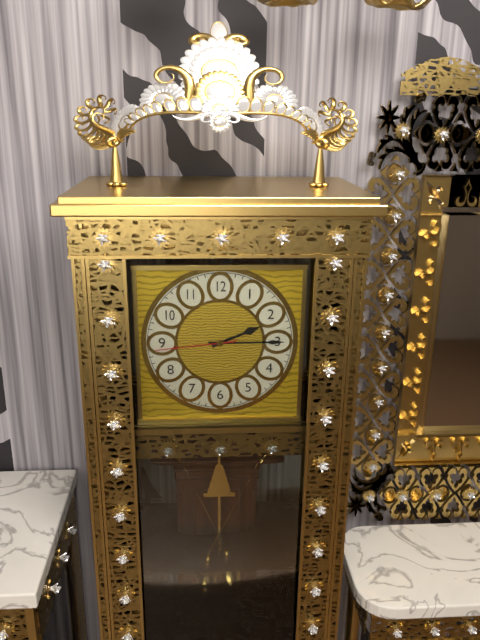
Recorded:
2.15.44
